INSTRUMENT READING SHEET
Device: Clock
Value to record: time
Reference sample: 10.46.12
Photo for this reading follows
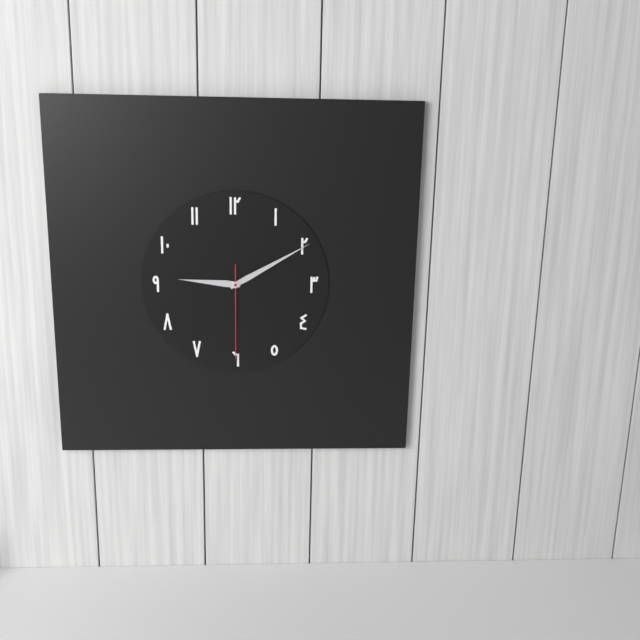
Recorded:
9.10.30
